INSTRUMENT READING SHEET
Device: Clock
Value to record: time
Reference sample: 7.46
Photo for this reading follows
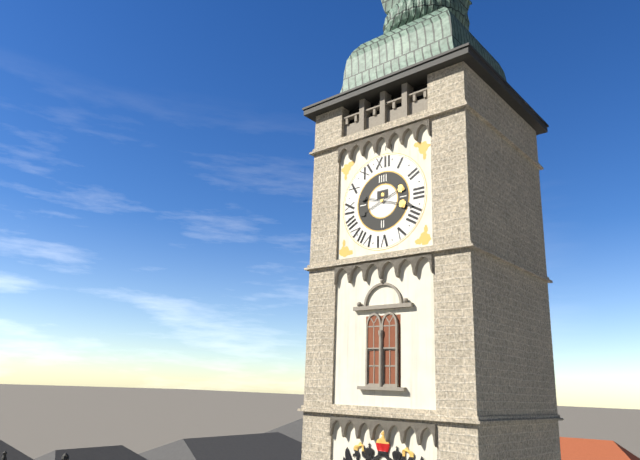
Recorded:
2.18
